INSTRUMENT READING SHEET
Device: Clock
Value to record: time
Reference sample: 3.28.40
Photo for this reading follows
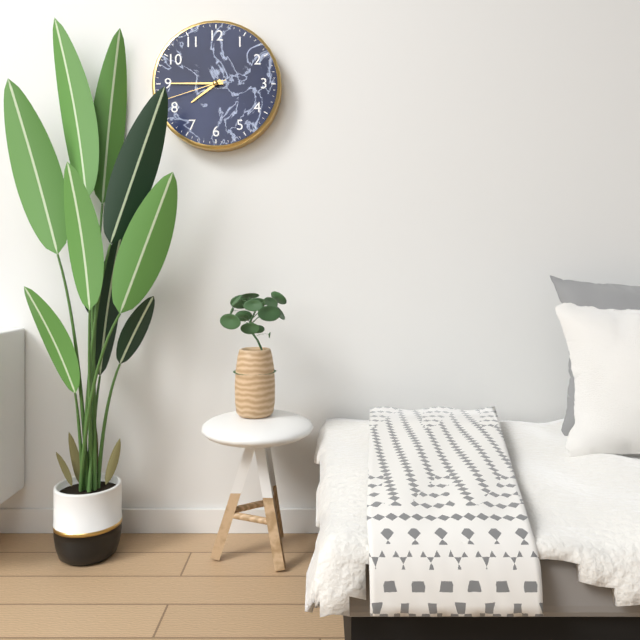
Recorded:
7.45.42
